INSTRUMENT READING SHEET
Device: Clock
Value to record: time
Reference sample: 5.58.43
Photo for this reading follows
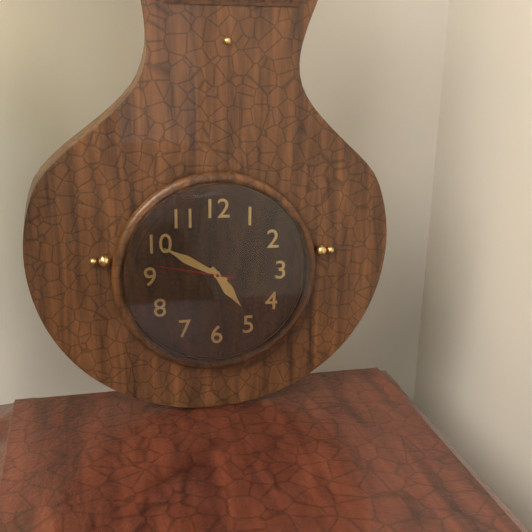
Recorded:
4.50.47
